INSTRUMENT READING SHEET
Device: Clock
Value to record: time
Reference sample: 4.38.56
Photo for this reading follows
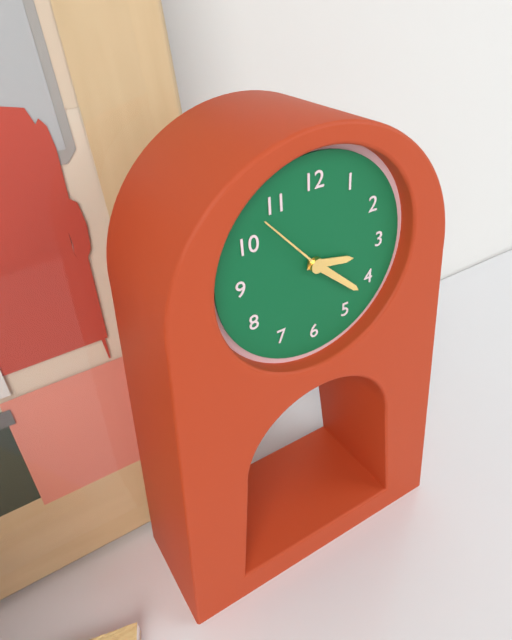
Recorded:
3.22.53
